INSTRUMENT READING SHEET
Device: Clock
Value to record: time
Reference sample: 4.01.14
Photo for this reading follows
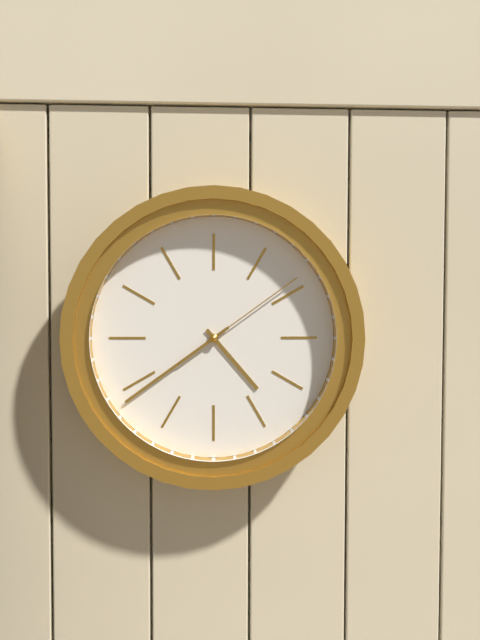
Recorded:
4.39.09
